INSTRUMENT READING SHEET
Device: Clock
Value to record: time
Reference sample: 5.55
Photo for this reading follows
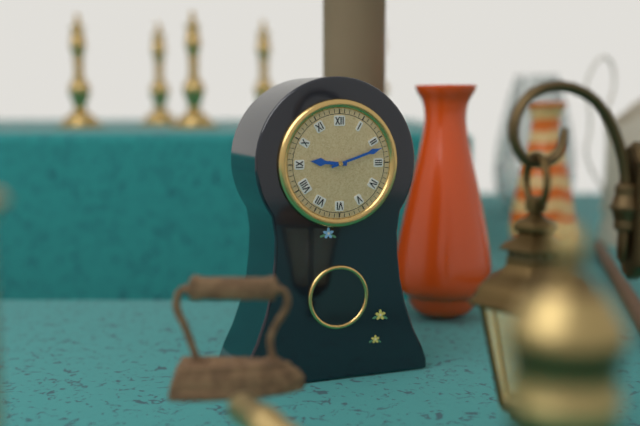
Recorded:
9.12
